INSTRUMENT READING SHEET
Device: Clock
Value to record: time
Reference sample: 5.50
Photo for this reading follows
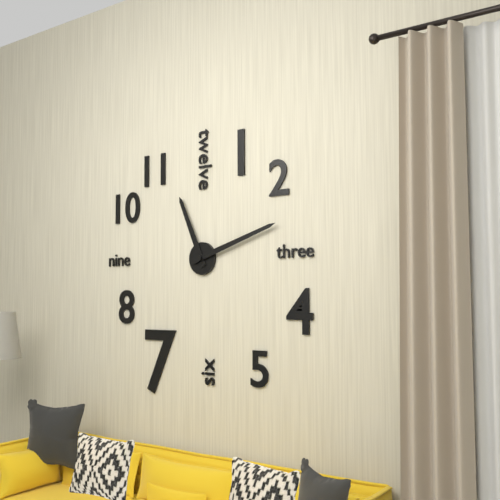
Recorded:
11.12
